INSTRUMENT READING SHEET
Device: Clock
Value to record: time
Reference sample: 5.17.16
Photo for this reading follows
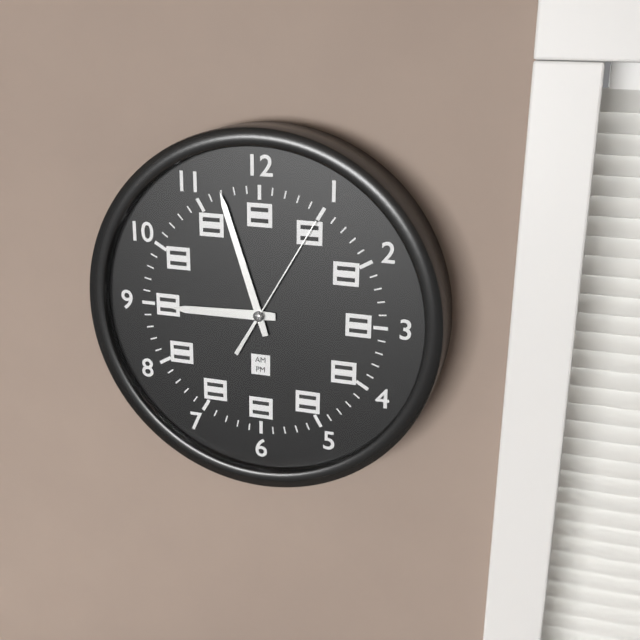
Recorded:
8.57.05
